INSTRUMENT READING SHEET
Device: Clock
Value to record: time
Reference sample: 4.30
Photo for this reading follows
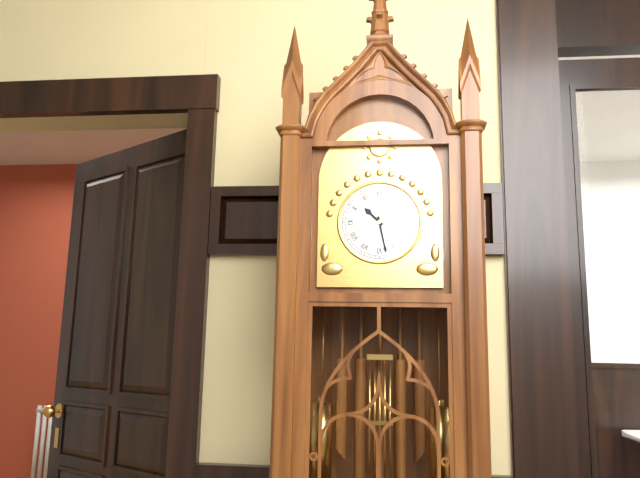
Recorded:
10.28
